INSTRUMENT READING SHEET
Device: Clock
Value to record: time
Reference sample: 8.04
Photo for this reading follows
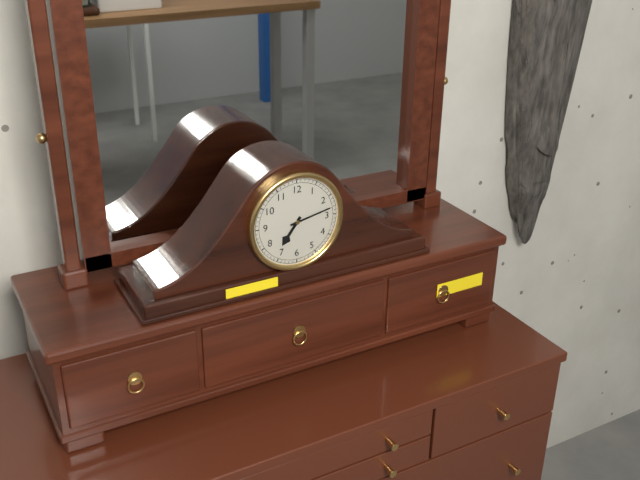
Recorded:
7.13
